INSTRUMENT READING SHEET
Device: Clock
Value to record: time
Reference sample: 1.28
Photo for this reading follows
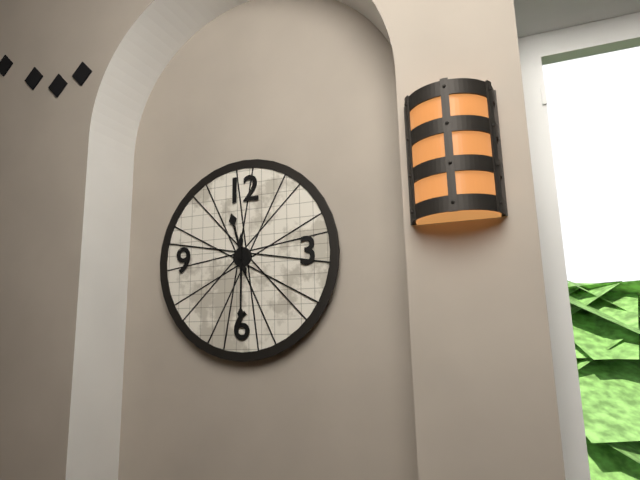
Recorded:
11.30
